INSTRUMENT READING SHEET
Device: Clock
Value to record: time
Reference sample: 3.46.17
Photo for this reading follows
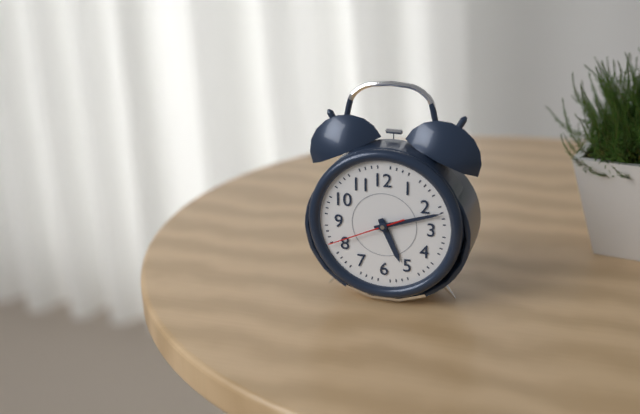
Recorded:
5.12.41
